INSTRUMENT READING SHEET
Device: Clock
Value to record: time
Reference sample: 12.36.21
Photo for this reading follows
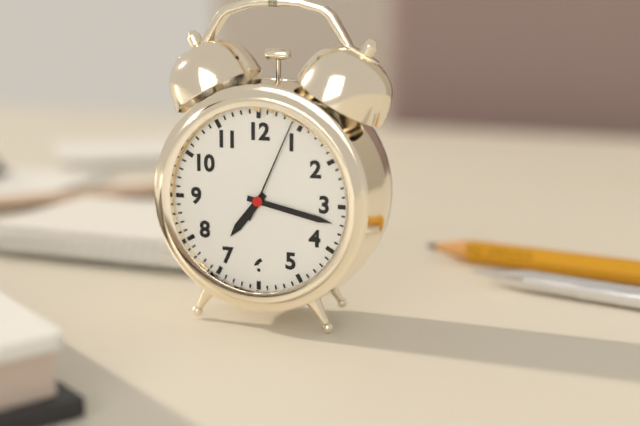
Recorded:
7.17.04
